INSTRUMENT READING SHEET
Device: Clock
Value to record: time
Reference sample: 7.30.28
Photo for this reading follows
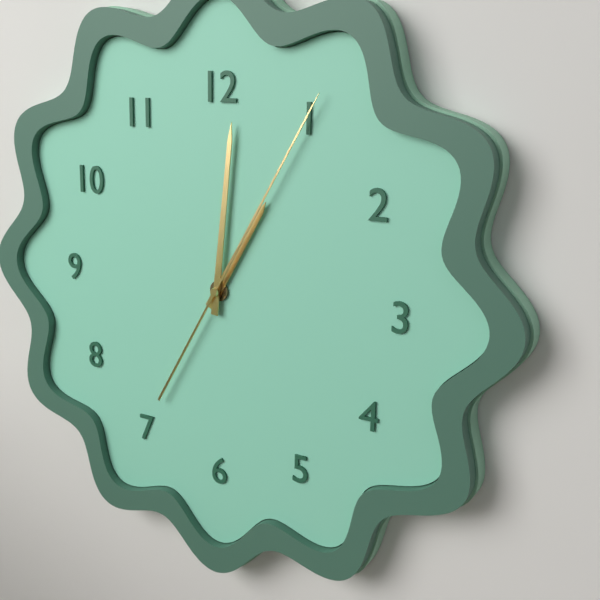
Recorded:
1.01.05
